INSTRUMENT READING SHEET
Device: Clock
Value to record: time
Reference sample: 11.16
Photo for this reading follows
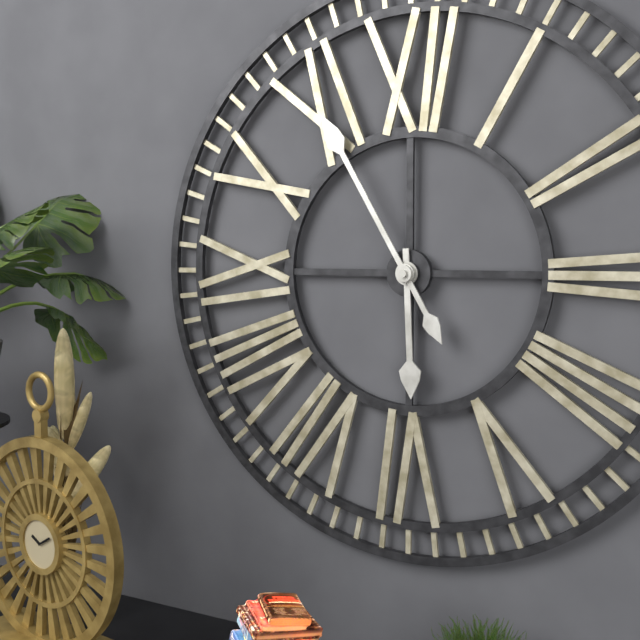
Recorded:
5.55
